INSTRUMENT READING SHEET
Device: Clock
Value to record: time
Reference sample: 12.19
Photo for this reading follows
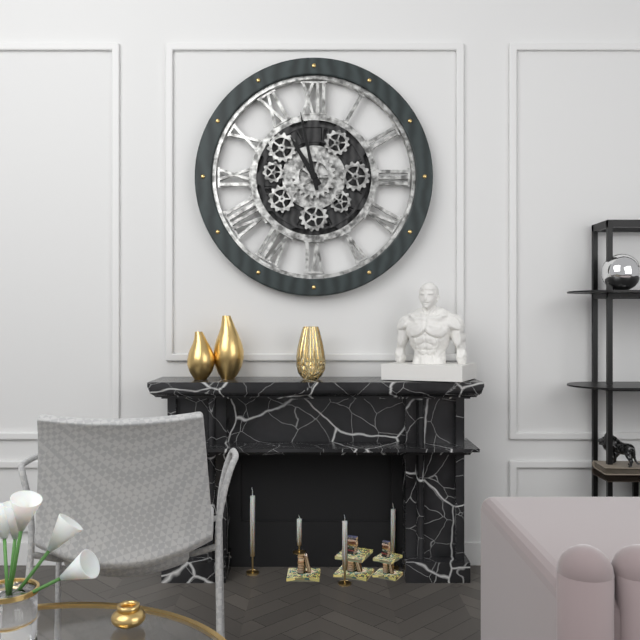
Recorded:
10.58
